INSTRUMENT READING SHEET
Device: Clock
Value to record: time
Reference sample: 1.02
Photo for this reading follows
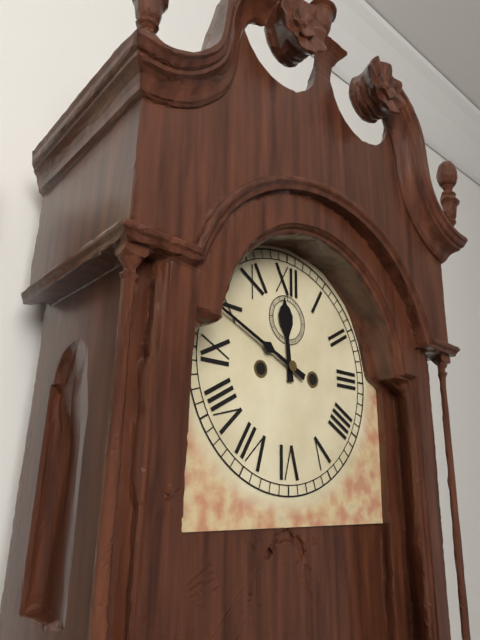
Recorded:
11.49
